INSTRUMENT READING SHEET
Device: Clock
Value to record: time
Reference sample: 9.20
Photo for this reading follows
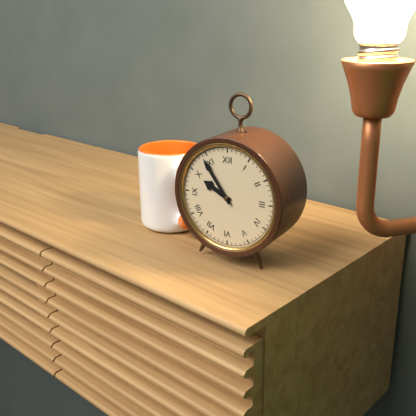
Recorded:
9.54
